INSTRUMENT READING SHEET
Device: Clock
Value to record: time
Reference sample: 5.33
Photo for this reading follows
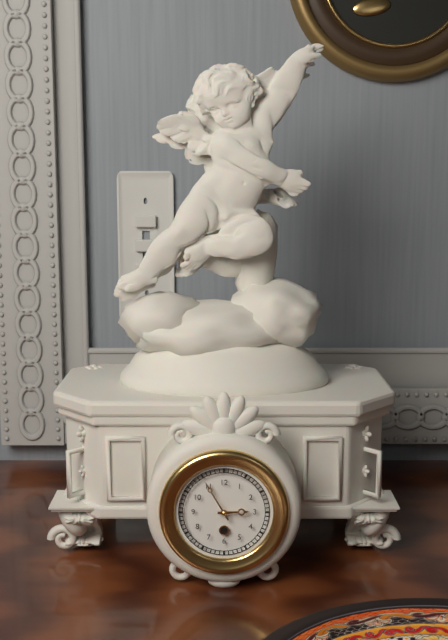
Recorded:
2.55
